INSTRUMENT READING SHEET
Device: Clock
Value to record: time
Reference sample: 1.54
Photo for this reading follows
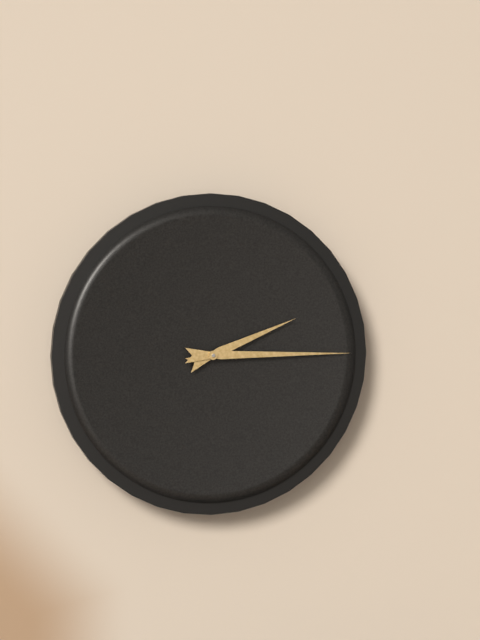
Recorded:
2.15
